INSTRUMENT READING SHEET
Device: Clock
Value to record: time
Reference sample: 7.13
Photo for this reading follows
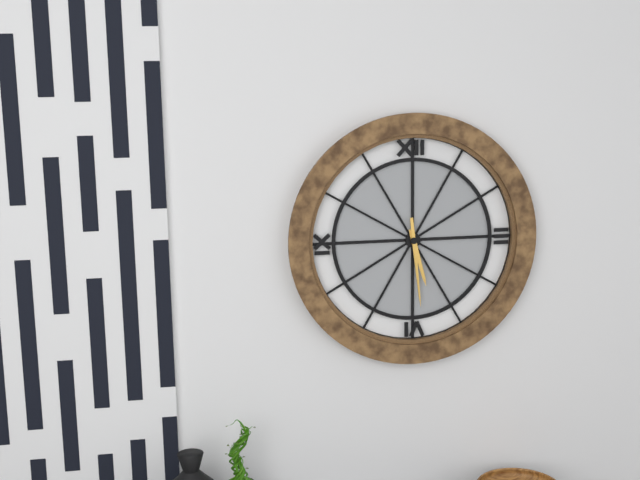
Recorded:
5.29
